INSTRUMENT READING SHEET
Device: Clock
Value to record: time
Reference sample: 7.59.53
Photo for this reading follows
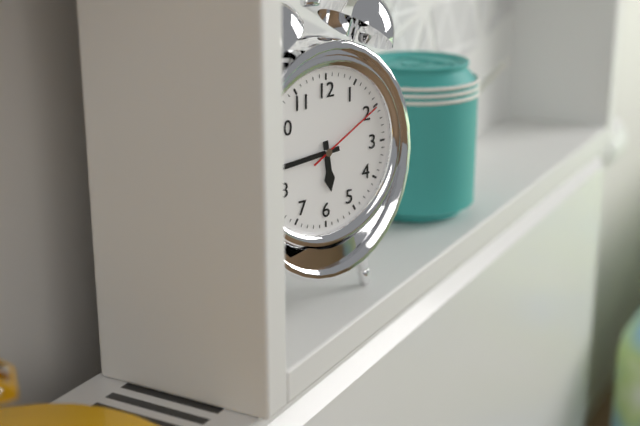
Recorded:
5.44.10
